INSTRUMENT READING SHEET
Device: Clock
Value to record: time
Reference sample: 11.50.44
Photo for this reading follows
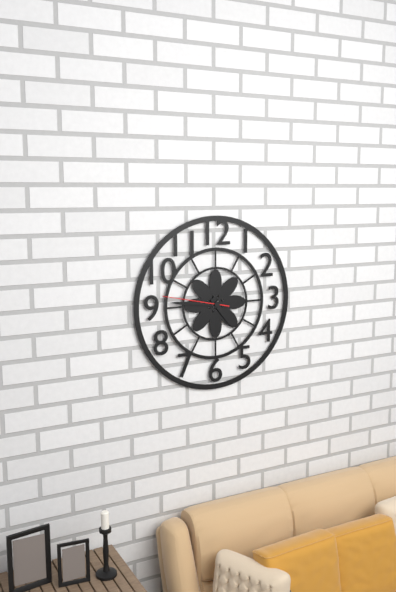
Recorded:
4.46.47
